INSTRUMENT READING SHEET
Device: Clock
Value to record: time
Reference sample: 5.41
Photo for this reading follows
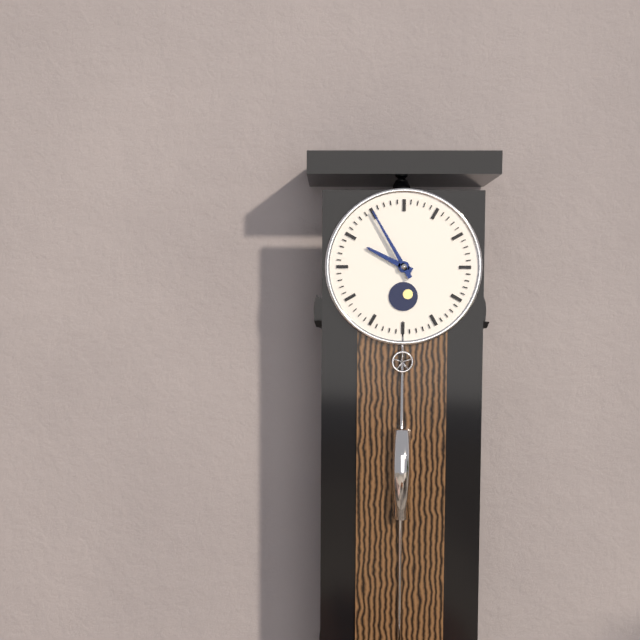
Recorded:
9.55
